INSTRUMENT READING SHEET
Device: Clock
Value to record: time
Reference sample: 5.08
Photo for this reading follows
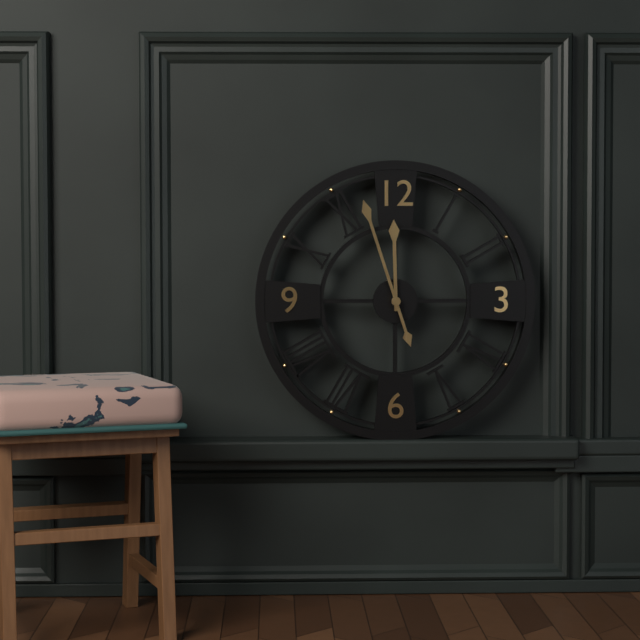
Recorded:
11.57
